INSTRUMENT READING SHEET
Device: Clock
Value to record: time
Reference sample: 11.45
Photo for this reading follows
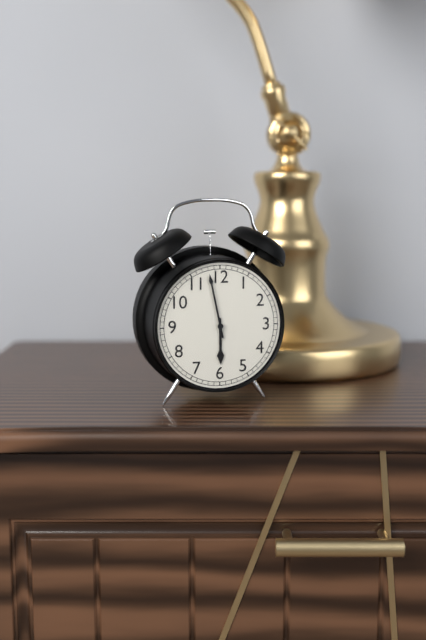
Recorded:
5.58
